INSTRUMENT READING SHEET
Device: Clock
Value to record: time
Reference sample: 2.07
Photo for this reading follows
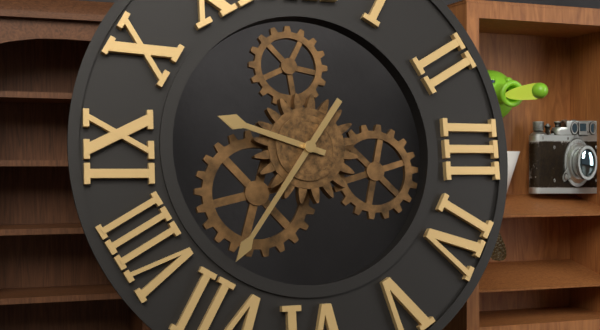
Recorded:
9.36
